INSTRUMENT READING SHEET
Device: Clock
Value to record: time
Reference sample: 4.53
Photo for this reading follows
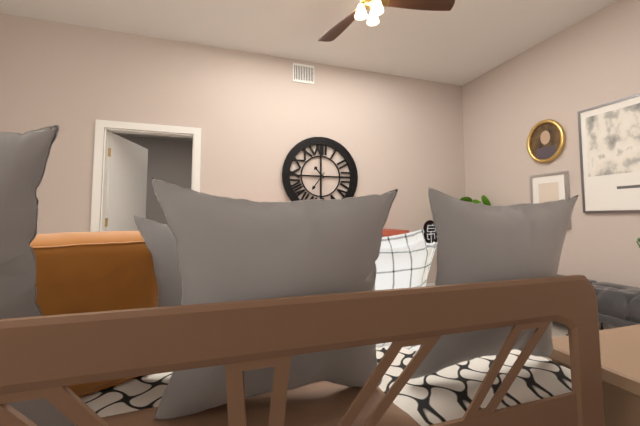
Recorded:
10.36
